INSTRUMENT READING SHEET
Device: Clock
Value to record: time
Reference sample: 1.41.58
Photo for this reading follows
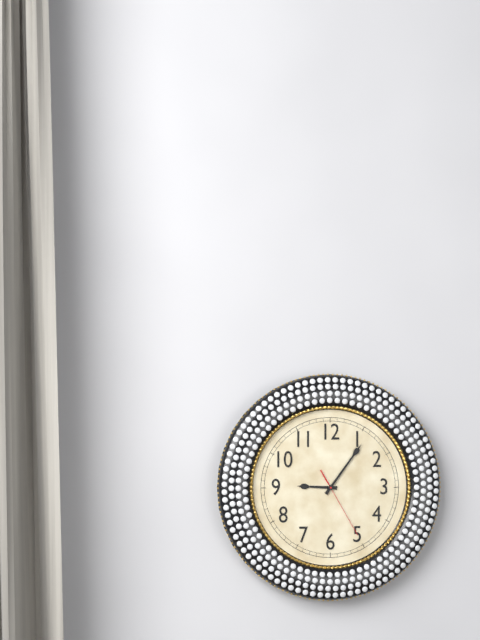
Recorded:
9.06.25
